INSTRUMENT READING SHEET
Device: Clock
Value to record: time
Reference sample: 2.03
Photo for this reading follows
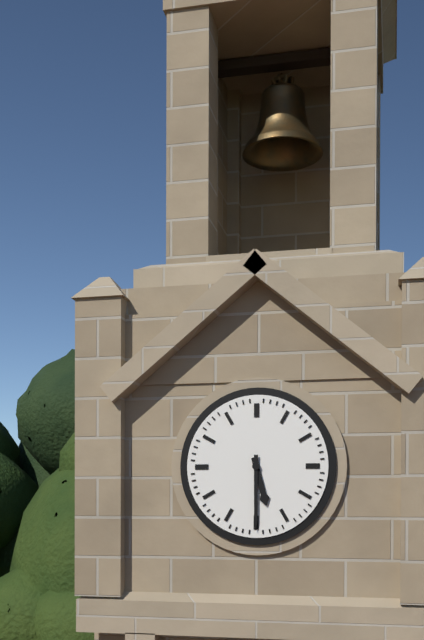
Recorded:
5.30
